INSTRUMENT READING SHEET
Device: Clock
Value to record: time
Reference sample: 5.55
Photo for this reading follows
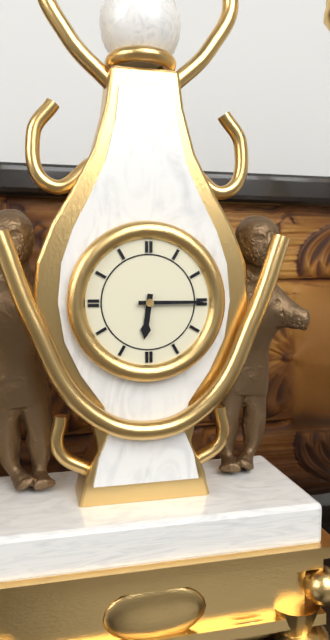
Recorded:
6.15
